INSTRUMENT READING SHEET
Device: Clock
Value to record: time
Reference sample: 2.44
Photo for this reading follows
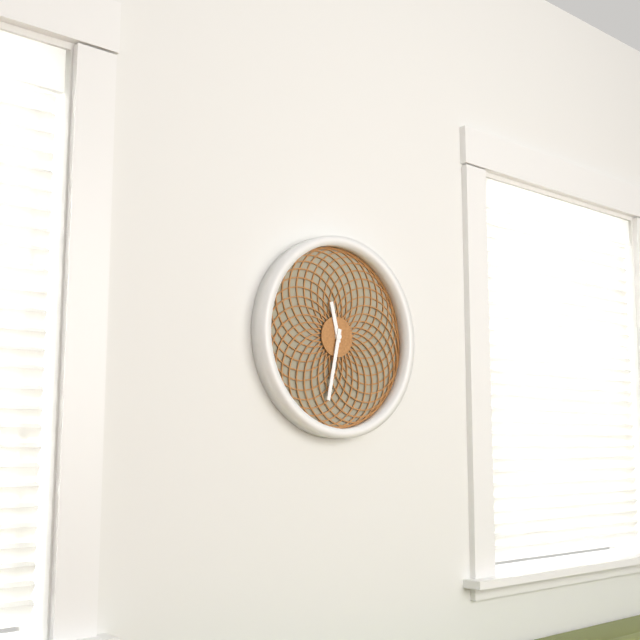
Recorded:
11.32
